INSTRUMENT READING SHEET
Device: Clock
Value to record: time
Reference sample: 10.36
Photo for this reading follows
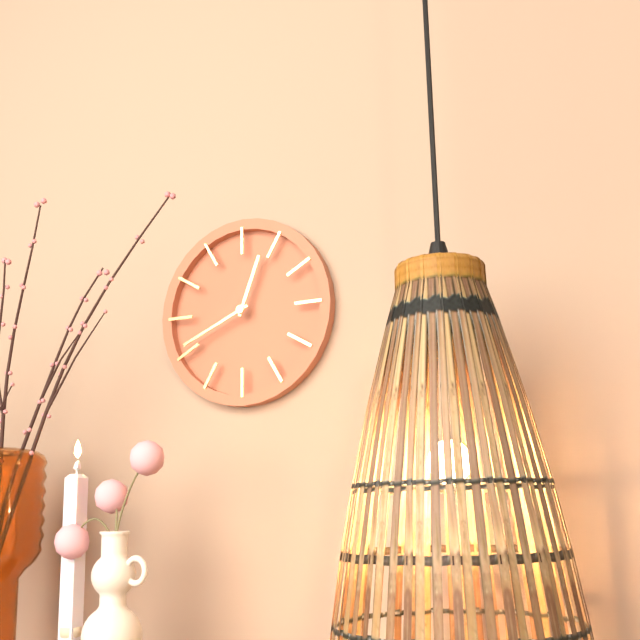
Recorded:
12.41
